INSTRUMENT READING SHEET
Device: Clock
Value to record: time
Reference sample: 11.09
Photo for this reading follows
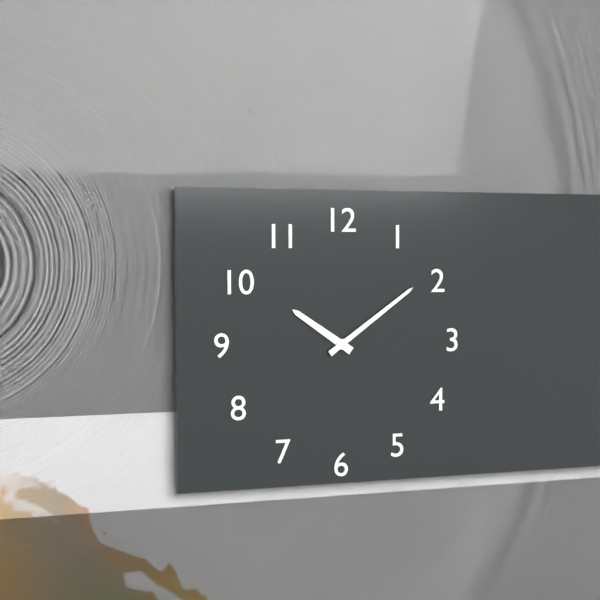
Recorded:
10.09
